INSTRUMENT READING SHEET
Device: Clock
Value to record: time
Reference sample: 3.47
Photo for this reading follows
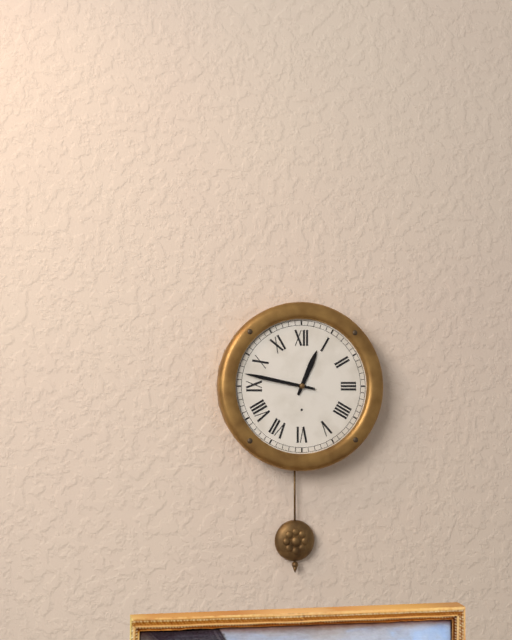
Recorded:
12.47
